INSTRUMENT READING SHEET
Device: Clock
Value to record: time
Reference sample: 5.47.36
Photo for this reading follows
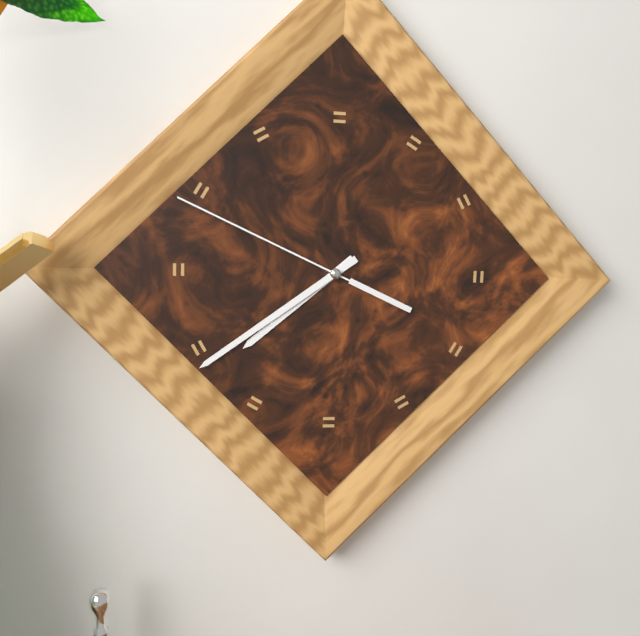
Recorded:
7.39.49
